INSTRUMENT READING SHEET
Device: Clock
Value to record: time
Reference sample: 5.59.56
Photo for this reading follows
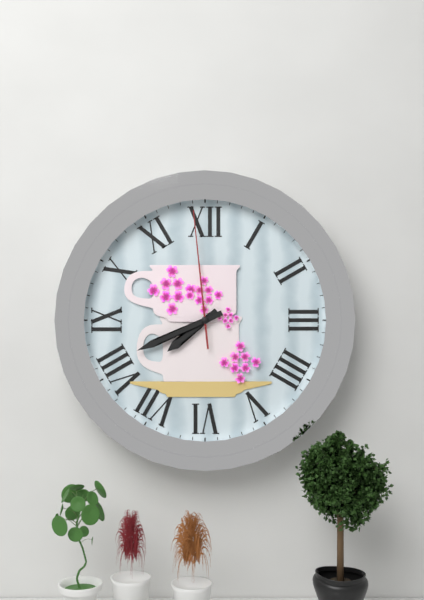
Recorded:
7.41.59
